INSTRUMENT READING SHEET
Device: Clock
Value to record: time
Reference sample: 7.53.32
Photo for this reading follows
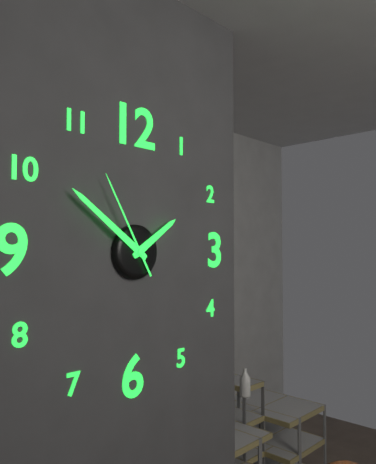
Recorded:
1.51.55
